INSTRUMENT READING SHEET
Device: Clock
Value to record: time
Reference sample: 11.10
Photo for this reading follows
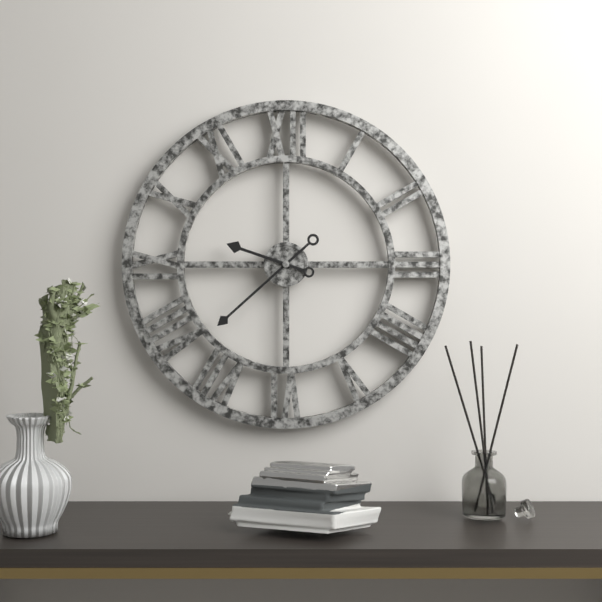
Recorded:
9.38
